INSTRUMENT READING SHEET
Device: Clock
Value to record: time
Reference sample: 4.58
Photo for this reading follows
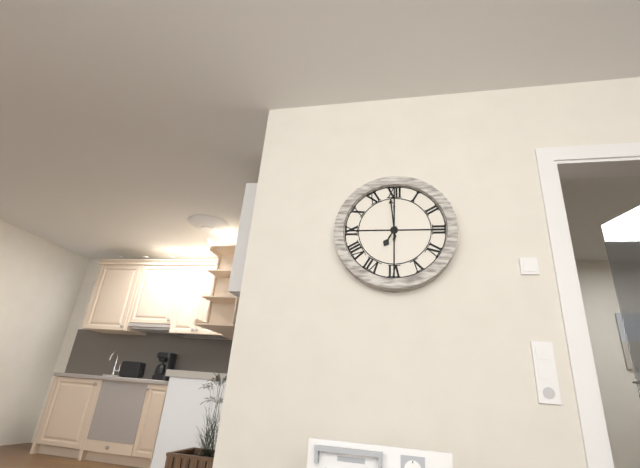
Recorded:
6.59
